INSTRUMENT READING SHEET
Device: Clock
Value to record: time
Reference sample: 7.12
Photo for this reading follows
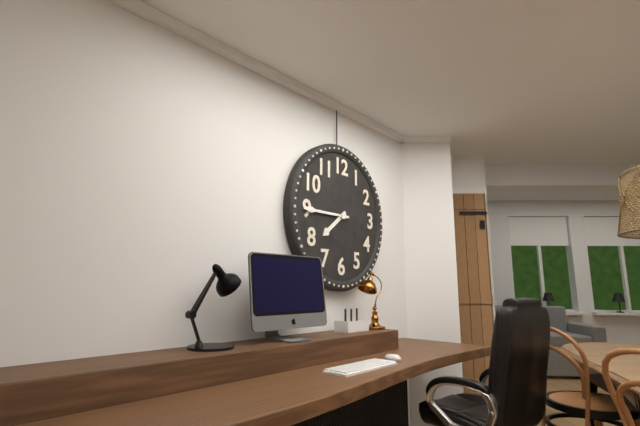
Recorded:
7.45
